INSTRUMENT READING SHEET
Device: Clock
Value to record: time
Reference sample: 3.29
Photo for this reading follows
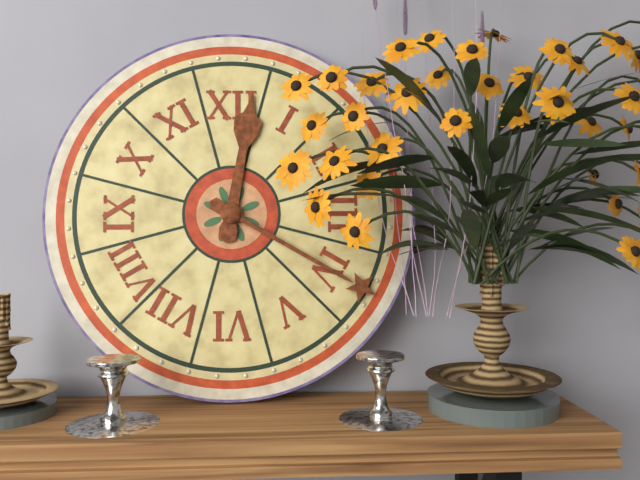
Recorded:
12.20
